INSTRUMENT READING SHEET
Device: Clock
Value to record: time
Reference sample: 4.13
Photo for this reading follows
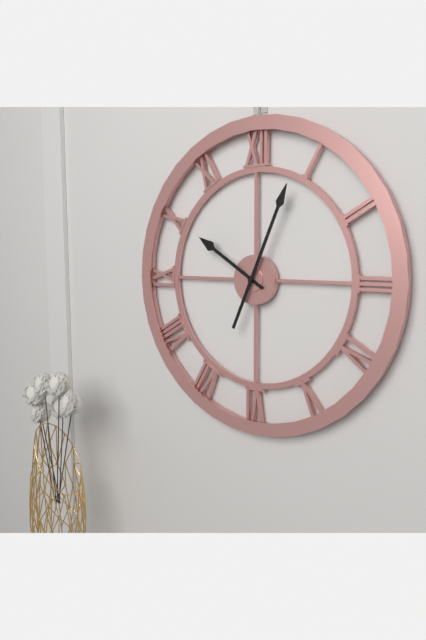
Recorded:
10.04
